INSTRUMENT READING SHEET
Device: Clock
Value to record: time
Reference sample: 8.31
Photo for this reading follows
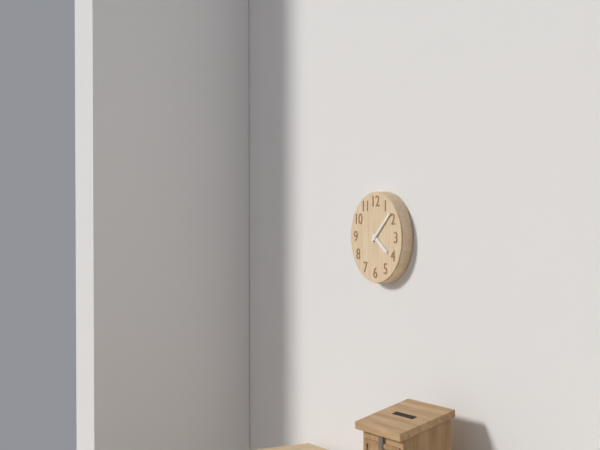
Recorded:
4.08
